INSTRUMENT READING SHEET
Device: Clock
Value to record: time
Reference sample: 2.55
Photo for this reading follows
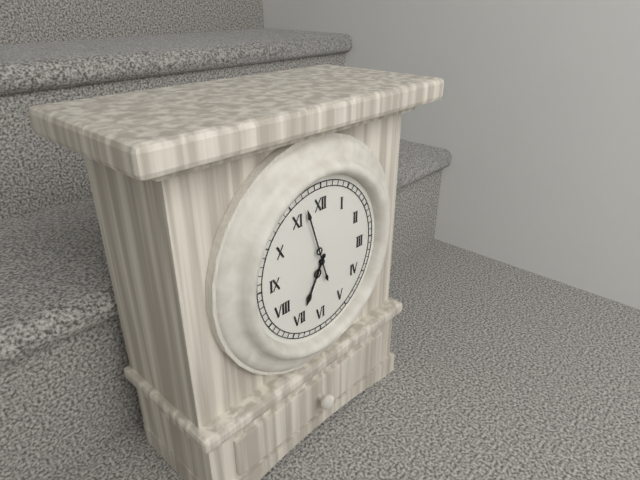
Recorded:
6.57
